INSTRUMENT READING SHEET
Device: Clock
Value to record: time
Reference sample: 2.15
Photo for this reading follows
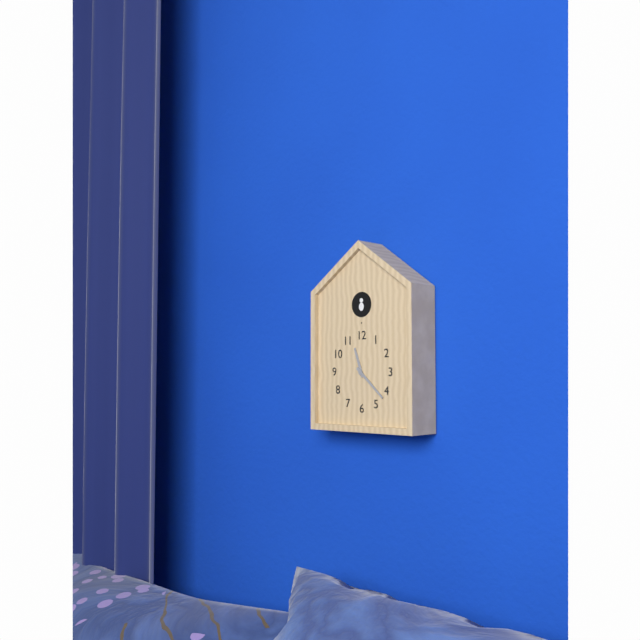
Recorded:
11.22
